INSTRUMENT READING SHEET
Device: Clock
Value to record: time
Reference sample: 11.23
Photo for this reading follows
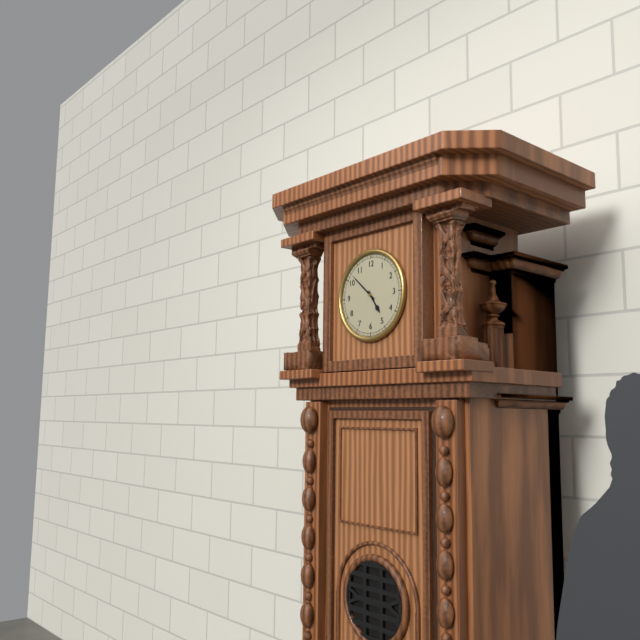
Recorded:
4.52
